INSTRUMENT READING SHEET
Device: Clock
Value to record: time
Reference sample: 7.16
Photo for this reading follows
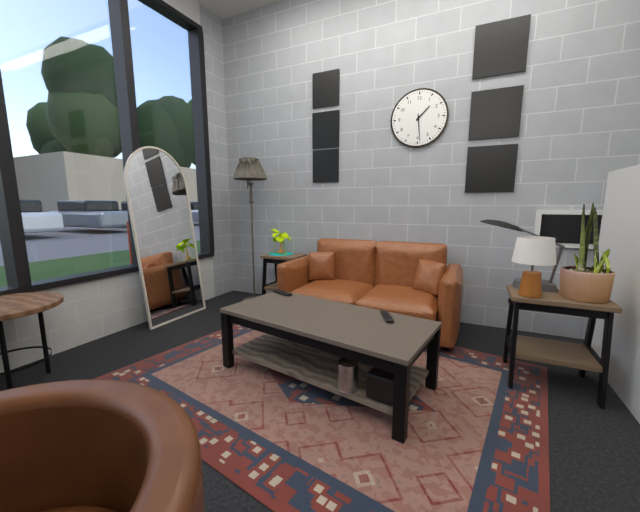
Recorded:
1.29
